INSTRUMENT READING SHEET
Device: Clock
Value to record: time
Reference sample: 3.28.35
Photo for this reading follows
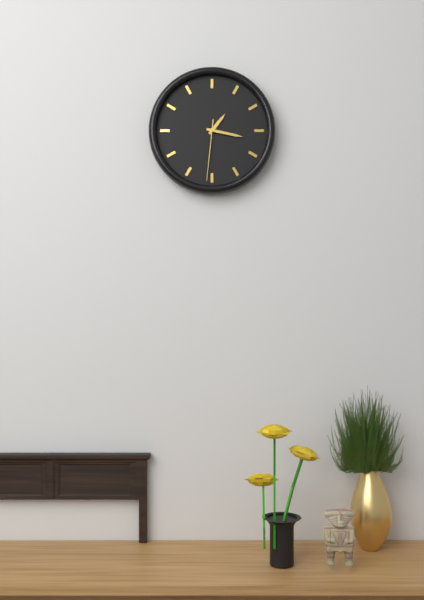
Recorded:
1.17.31
